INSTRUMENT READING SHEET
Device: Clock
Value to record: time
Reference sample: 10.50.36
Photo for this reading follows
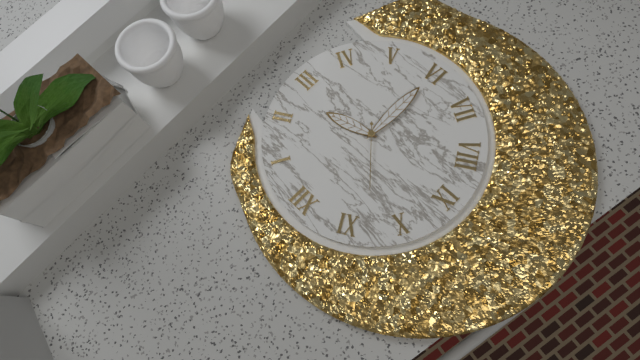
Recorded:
2.30.53
